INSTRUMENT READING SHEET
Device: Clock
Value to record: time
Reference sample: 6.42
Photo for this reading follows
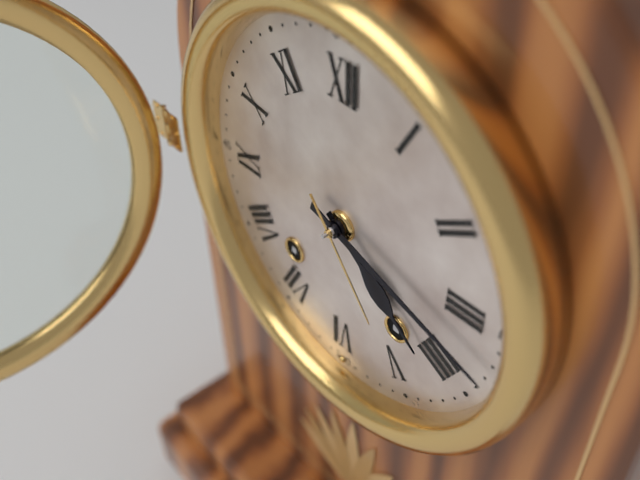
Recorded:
4.18
